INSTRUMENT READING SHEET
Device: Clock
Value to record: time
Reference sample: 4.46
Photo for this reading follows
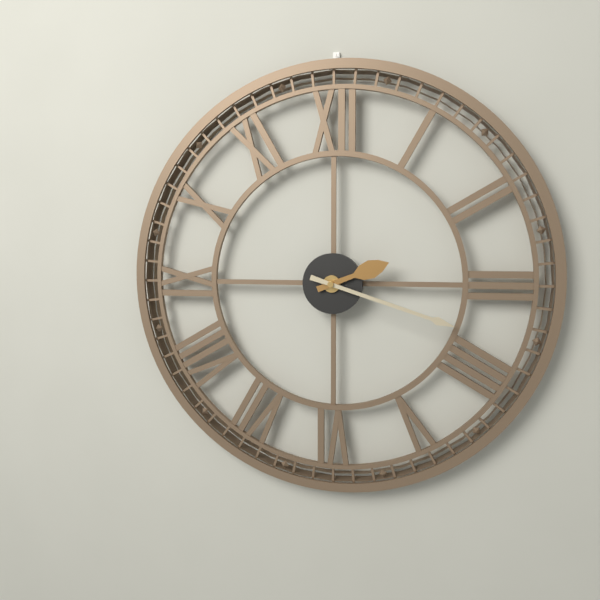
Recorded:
2.18
